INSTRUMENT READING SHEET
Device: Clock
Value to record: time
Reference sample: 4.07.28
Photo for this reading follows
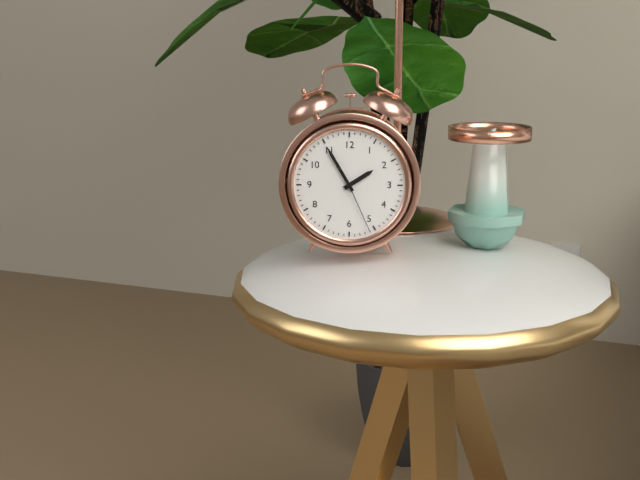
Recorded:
1.55.26
